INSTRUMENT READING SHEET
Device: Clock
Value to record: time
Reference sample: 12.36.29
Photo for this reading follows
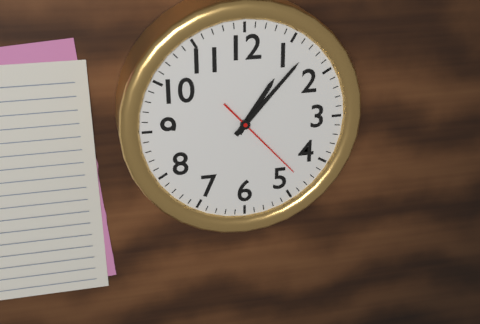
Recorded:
1.07.23
